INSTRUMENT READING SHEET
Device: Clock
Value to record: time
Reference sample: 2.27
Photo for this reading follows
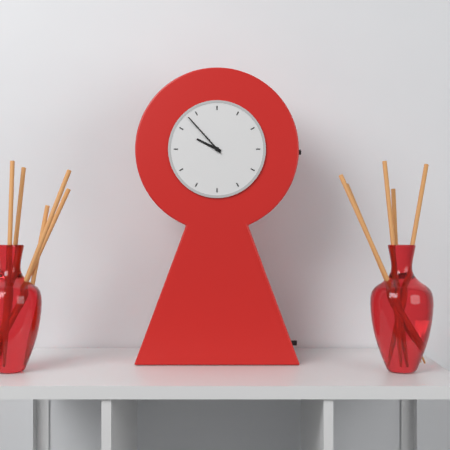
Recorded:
9.53
